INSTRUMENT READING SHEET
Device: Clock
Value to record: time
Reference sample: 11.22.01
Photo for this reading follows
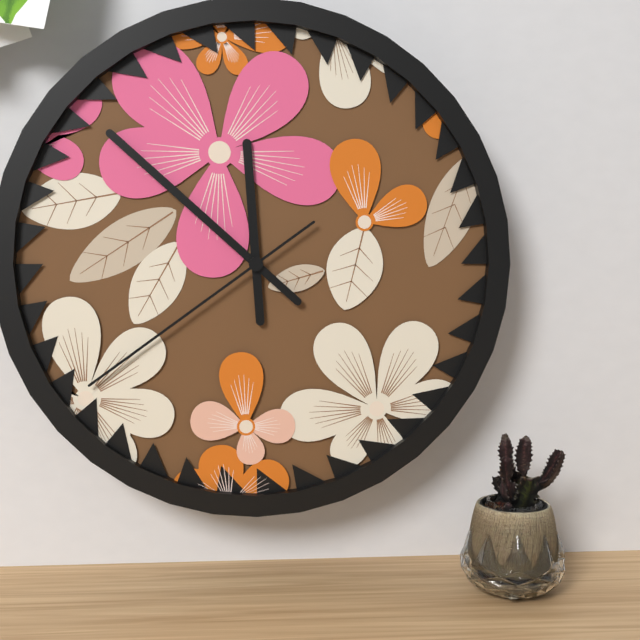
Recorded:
11.52.39
